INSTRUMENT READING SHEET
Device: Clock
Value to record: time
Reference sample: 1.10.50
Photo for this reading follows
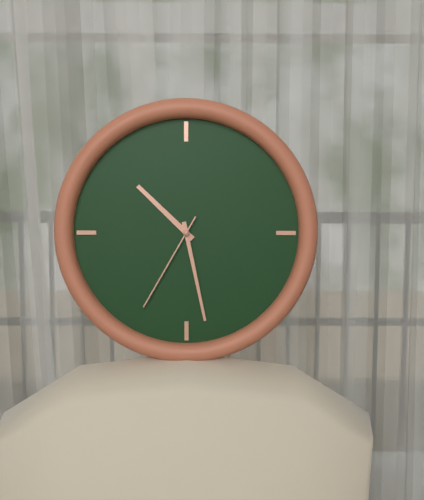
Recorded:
10.28.35
